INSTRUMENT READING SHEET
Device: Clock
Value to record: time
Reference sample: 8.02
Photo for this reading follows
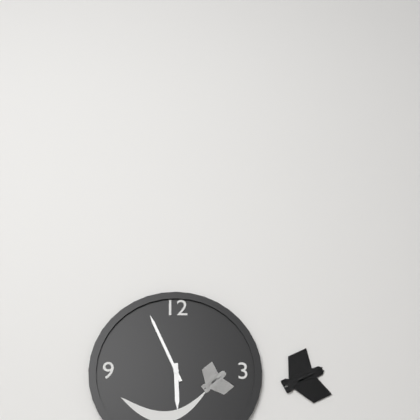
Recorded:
5.56
